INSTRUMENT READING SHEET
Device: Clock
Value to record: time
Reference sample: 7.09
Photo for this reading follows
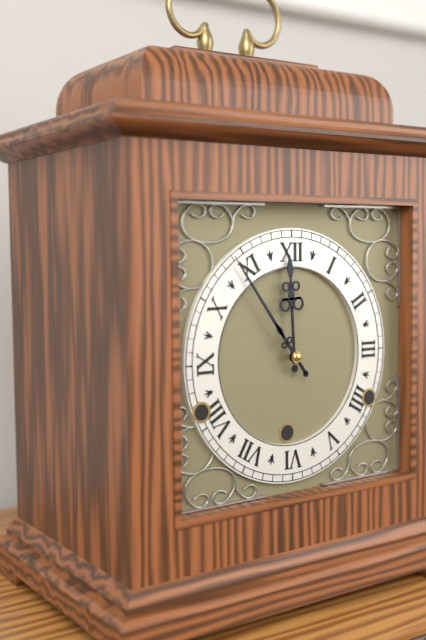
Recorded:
11.54
